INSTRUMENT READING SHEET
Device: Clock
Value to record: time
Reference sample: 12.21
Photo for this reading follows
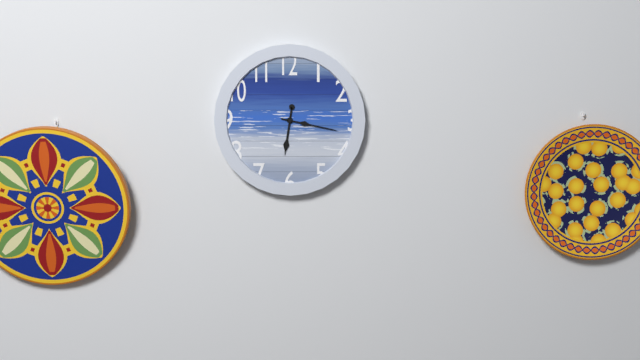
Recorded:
6.17
